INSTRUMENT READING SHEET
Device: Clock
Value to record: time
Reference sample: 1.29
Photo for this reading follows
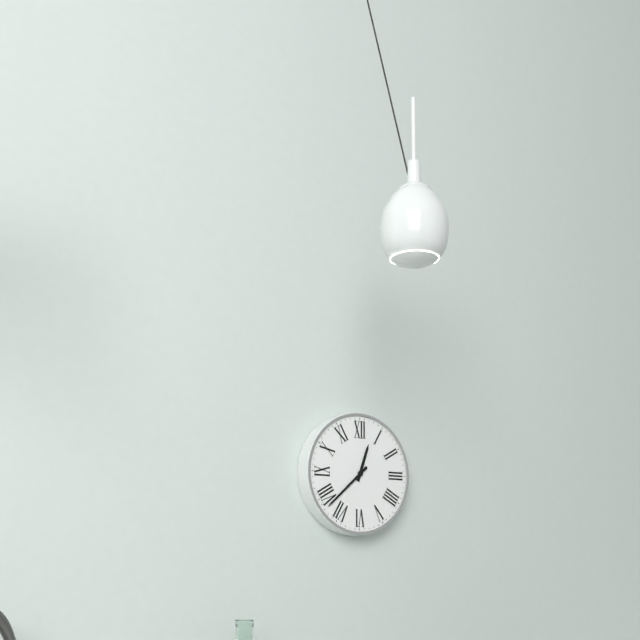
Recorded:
12.38
